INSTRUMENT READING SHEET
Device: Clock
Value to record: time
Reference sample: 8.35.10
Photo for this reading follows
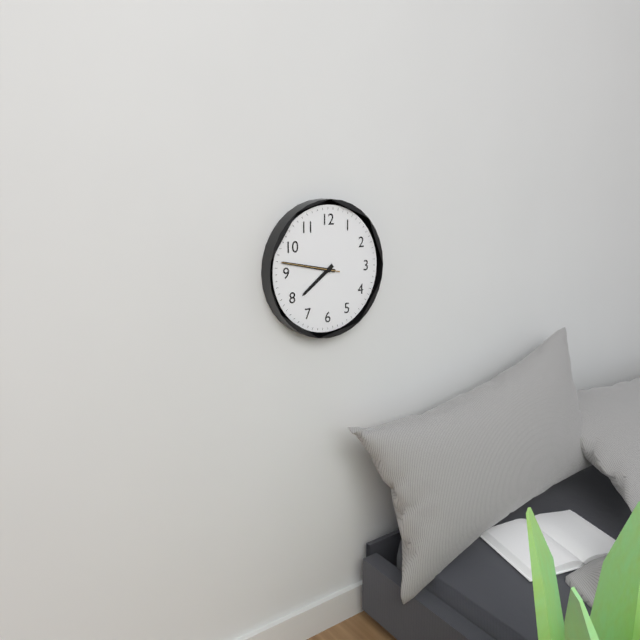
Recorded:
7.47.47
